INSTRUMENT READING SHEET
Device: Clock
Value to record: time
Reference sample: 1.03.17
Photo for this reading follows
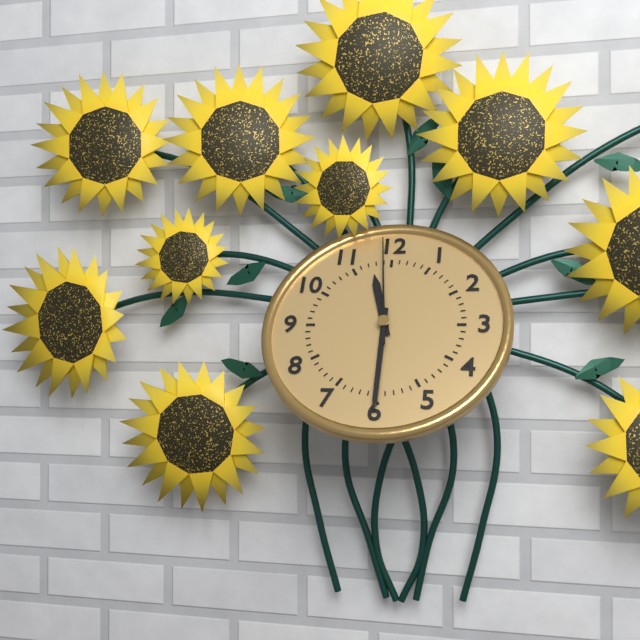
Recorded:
11.30.59
